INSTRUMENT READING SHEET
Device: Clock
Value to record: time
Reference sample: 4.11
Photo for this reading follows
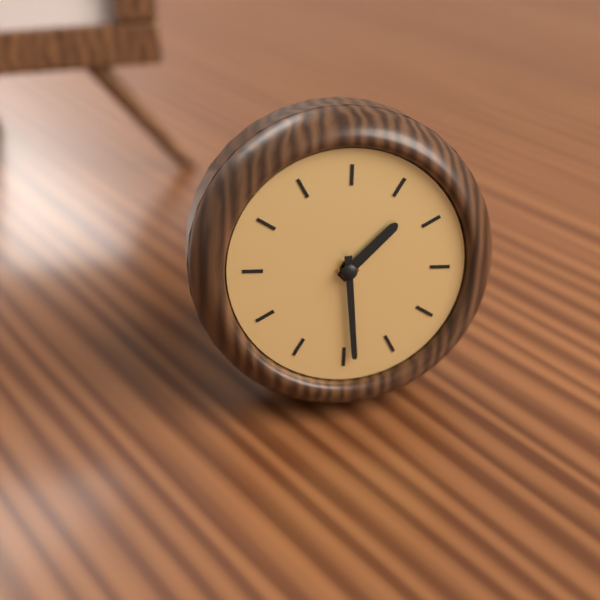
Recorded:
1.29
